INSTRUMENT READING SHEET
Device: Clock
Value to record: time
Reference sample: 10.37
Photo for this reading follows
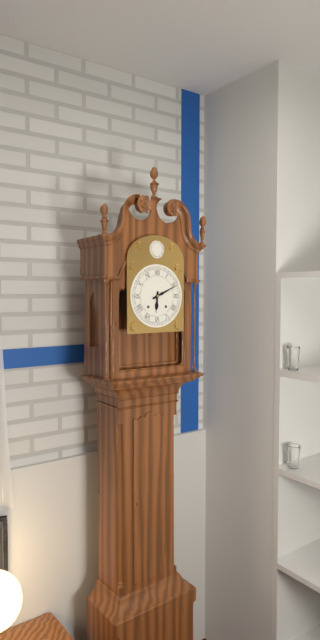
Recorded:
6.11
